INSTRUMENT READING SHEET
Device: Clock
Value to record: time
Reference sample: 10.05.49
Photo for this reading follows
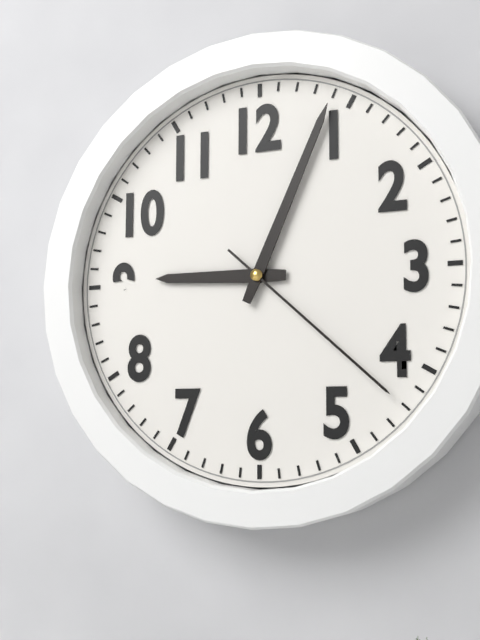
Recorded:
9.04.22
